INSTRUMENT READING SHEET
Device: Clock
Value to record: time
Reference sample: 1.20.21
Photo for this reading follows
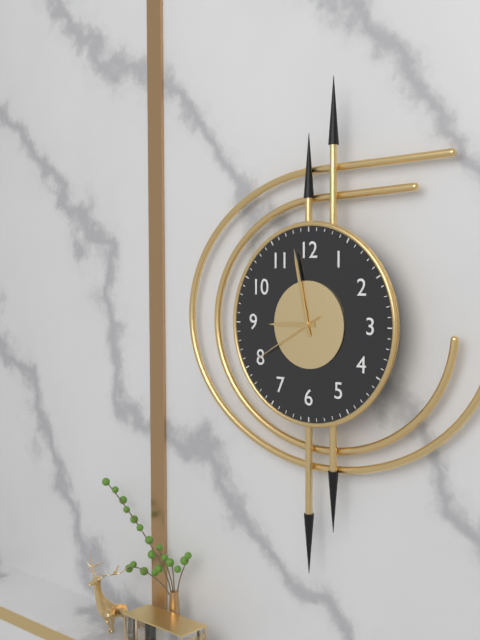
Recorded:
8.58.40
